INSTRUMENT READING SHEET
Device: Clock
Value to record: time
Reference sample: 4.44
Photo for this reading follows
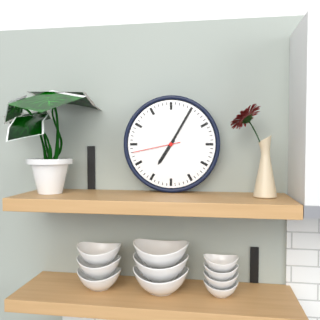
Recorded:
7.05
